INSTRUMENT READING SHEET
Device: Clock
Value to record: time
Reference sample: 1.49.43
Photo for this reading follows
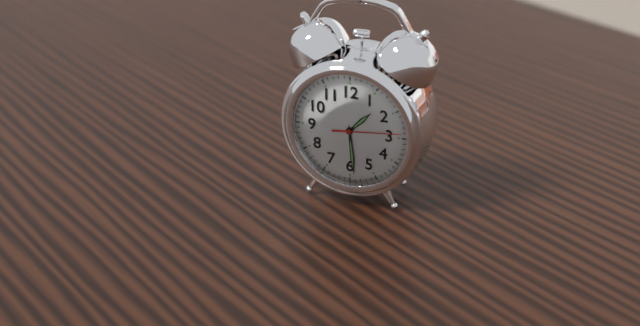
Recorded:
1.29.14
